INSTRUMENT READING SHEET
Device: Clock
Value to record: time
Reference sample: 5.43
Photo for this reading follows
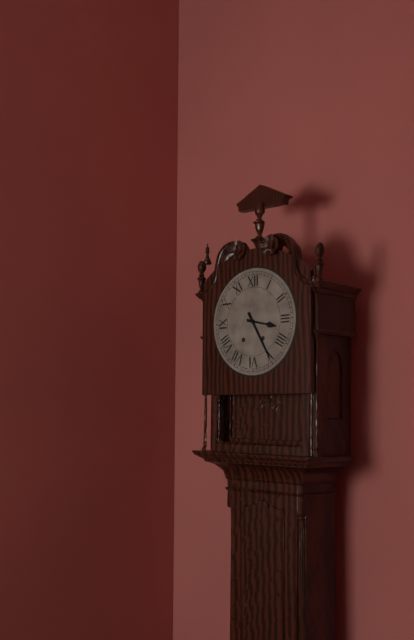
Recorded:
3.25
